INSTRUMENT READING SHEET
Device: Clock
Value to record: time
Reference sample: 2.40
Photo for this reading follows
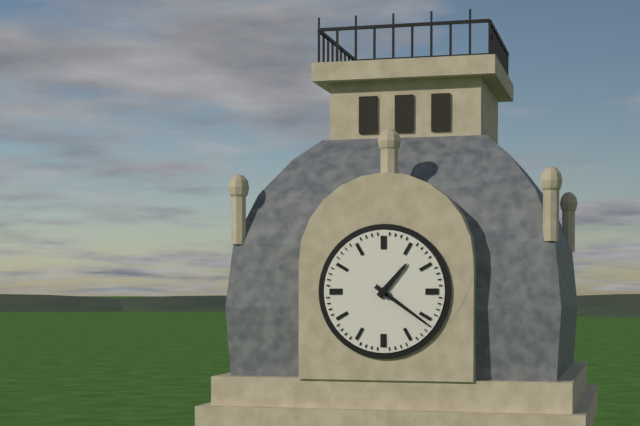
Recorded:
1.21
